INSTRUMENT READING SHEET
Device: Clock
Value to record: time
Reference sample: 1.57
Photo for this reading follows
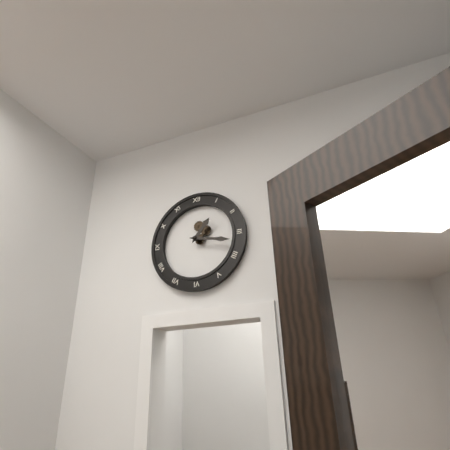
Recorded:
1.17
